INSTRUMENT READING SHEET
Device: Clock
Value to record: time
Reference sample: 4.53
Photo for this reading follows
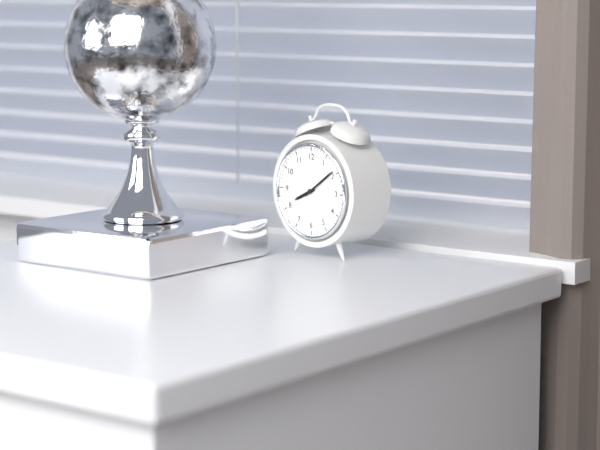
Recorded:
8.09
